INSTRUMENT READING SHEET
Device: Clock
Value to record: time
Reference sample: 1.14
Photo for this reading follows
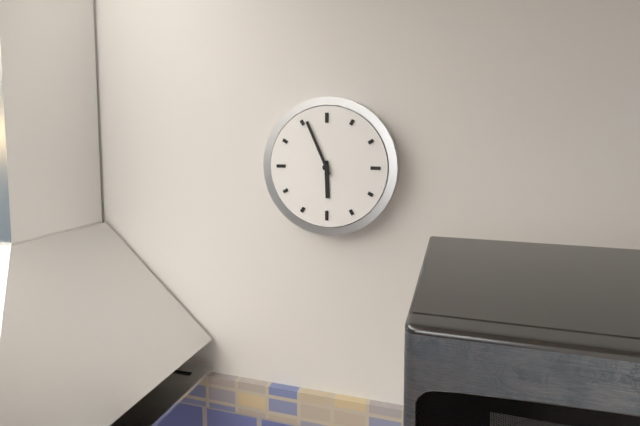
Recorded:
5.56
